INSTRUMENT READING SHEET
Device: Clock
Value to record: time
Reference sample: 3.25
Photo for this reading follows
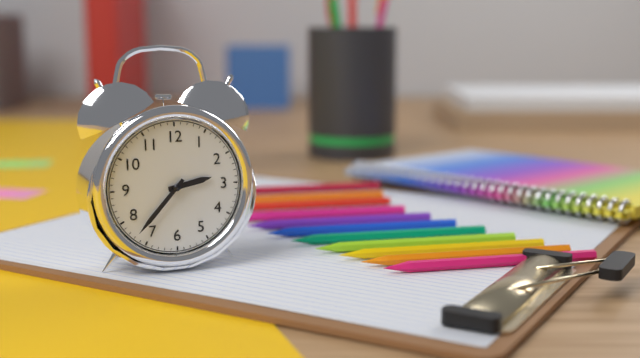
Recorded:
2.37
